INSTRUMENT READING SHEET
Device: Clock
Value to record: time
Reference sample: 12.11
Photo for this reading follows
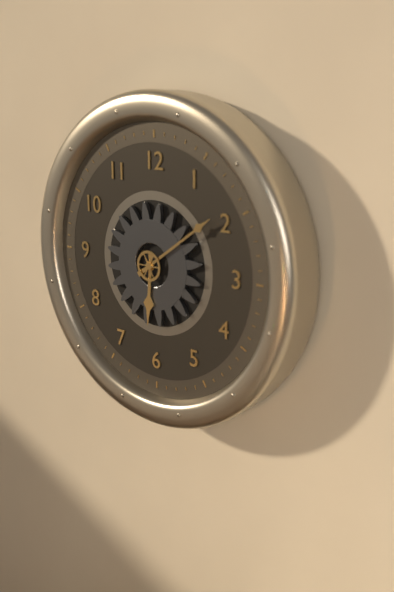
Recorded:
6.09
